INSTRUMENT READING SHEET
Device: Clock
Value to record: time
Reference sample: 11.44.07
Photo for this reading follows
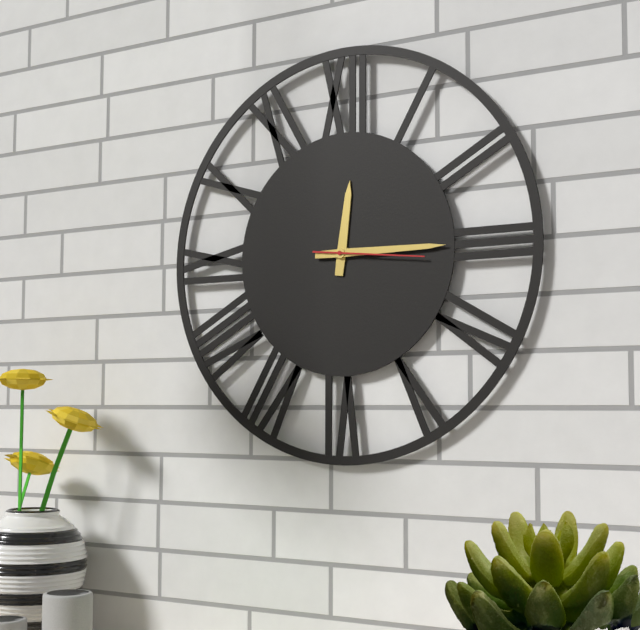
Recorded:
12.15.16
